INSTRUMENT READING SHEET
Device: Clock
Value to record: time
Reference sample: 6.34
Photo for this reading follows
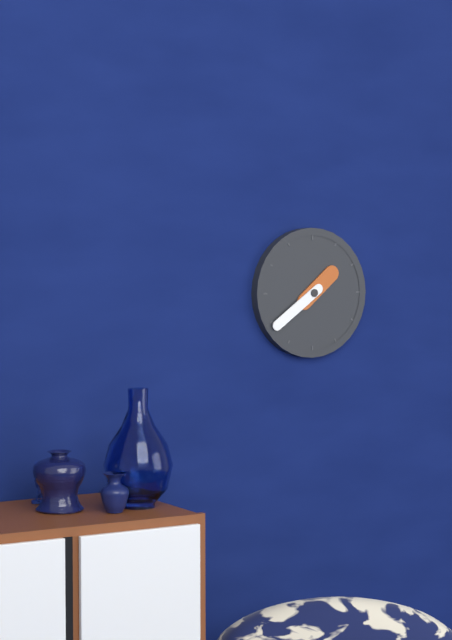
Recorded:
1.39
